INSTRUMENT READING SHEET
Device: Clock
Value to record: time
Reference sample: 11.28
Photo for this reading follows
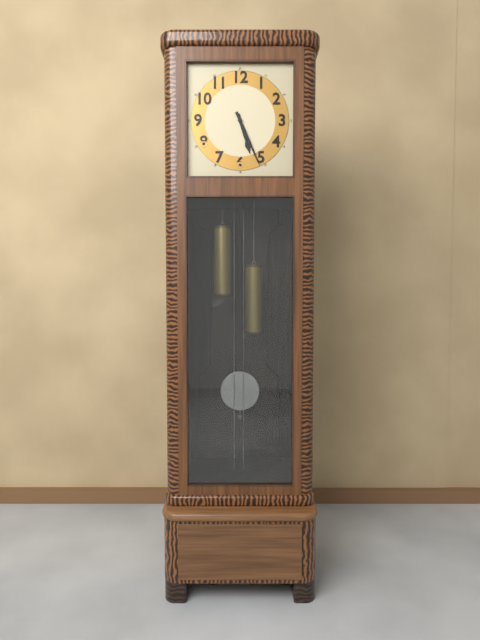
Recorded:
5.26
